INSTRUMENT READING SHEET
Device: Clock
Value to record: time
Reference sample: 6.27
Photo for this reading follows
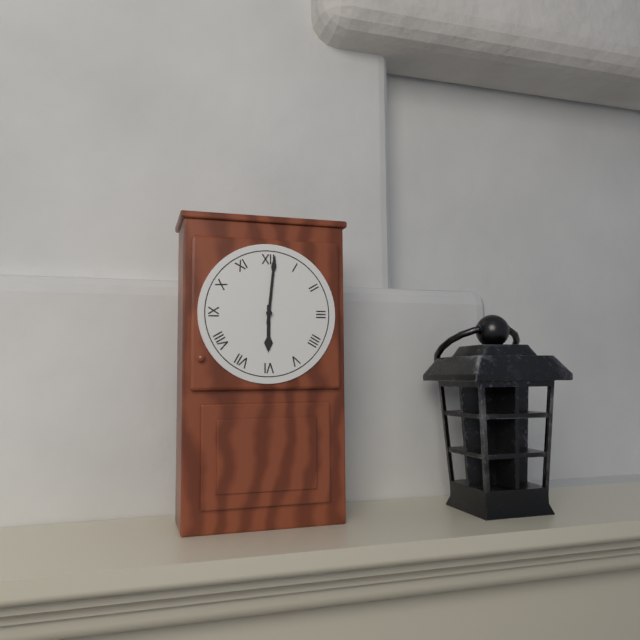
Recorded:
6.01
